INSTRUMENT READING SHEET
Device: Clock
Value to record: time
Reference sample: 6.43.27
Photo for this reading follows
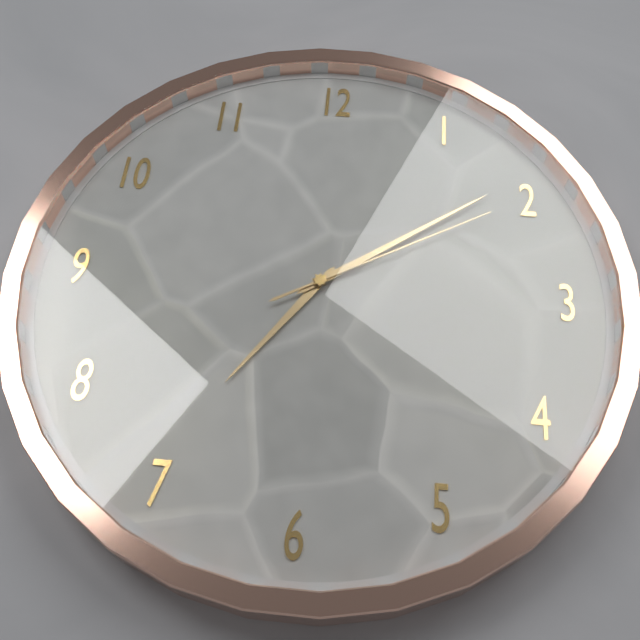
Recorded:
7.09.10
